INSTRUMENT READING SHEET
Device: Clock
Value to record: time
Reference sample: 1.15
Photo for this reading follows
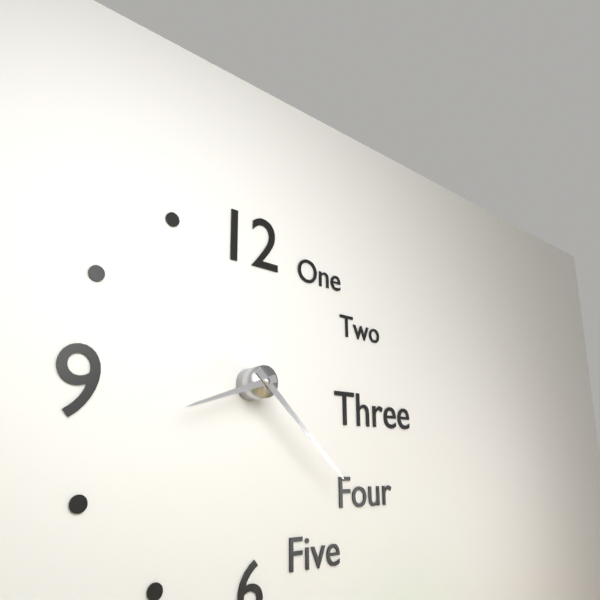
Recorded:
8.22
